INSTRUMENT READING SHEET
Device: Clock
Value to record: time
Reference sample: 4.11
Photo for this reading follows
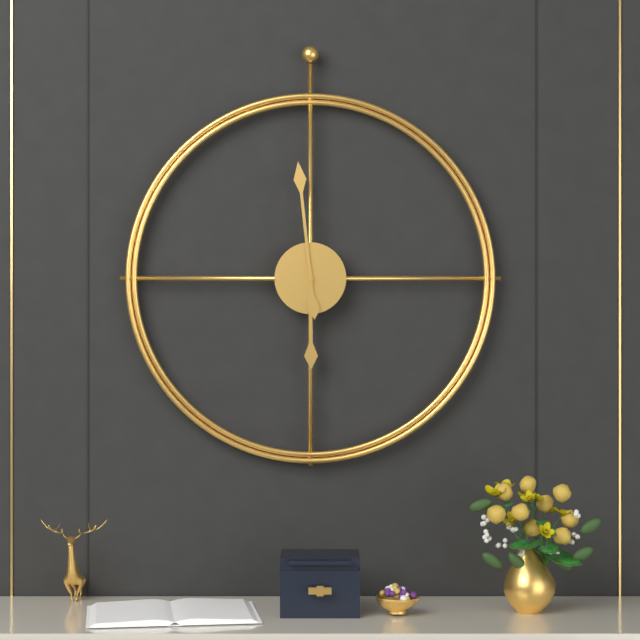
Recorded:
5.59
